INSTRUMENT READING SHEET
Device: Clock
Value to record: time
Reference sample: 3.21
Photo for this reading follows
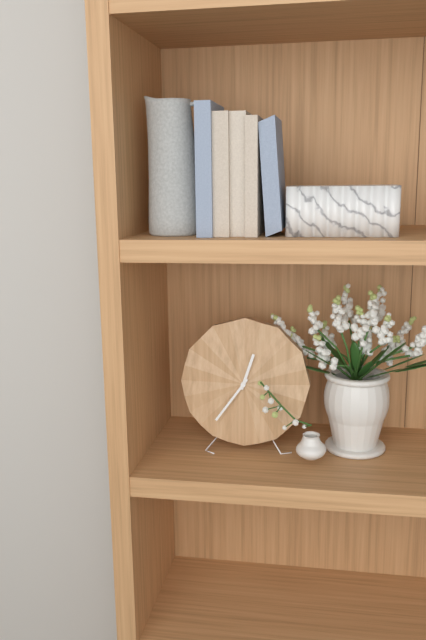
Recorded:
12.36
